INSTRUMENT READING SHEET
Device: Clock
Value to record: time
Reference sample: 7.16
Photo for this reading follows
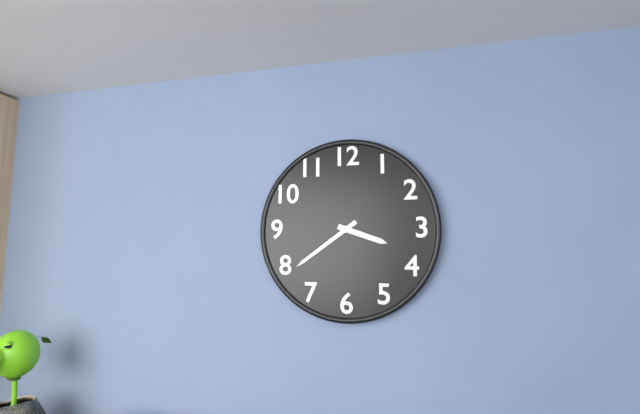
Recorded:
3.39
